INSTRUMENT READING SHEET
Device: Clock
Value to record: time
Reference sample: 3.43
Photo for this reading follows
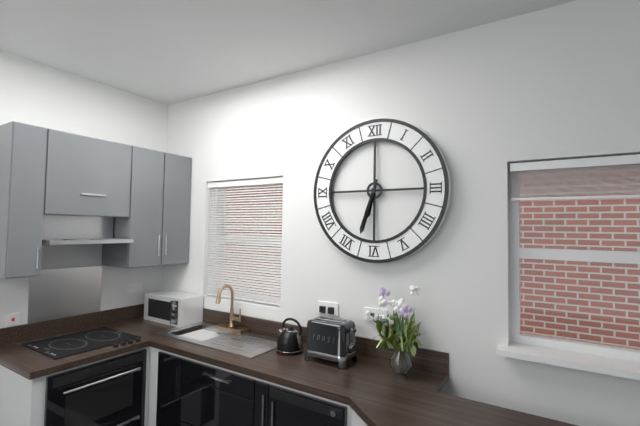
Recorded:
6.33
